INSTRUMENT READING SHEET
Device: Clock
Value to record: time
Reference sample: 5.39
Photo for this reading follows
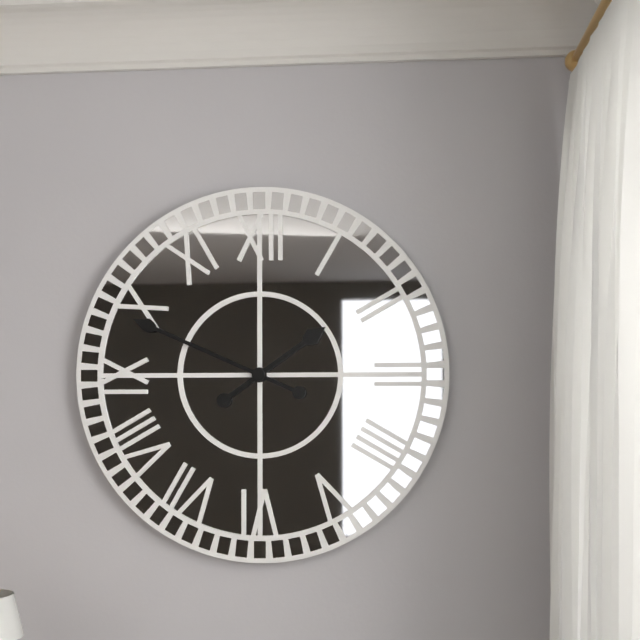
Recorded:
1.49
